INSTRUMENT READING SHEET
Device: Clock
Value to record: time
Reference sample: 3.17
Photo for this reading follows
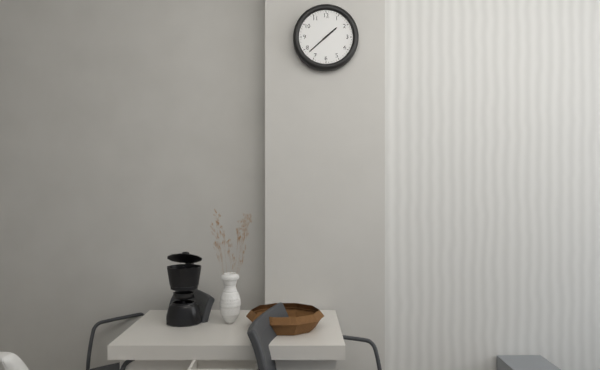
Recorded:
1.38
